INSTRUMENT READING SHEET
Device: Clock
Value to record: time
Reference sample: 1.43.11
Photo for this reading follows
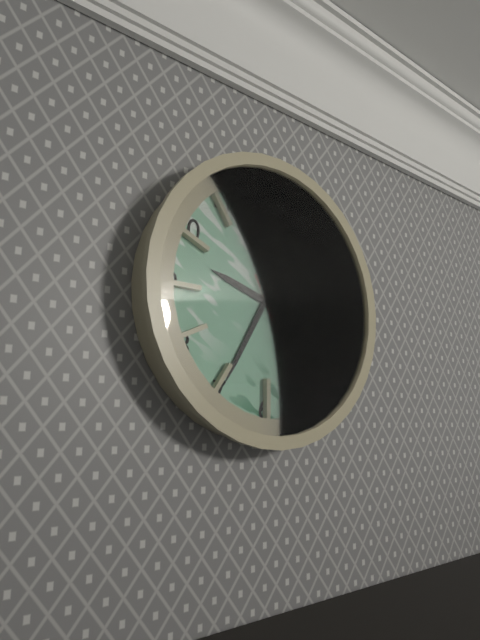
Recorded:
9.35.25
